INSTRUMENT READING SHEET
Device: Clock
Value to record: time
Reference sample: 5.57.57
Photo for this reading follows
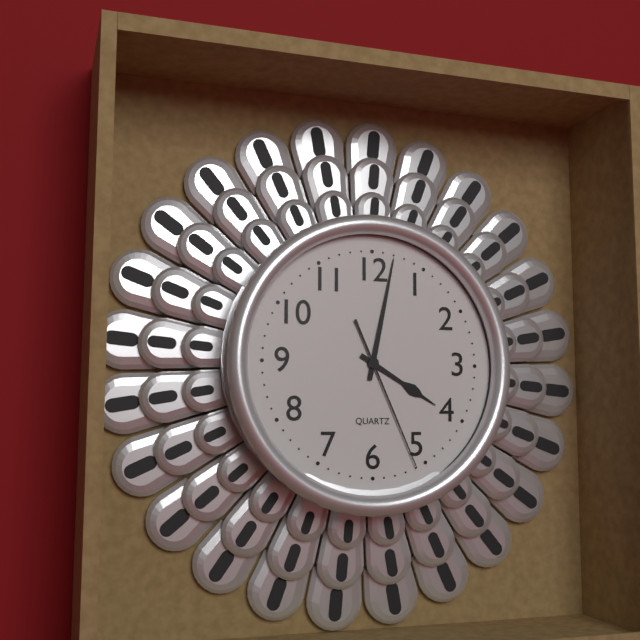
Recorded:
4.02.26
